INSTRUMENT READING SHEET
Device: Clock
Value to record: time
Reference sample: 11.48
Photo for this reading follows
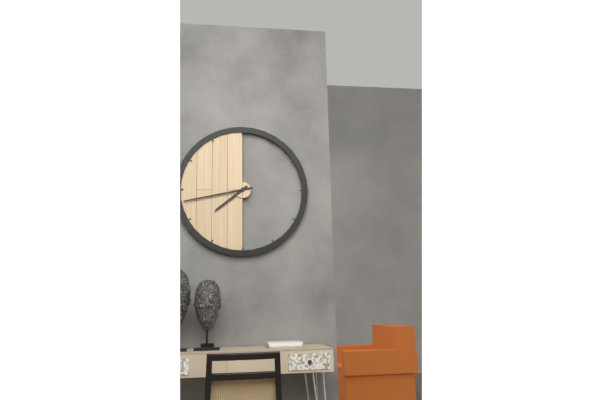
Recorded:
7.43
